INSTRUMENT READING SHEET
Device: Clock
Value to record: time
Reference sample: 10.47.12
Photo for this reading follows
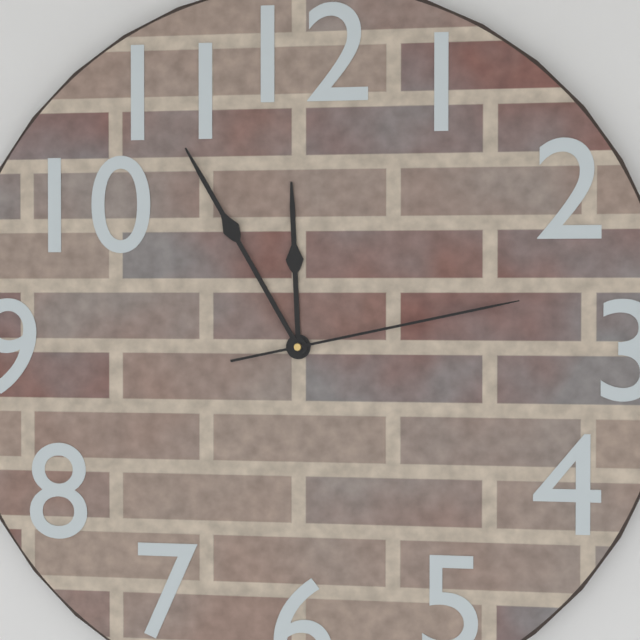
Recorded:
11.55.13
